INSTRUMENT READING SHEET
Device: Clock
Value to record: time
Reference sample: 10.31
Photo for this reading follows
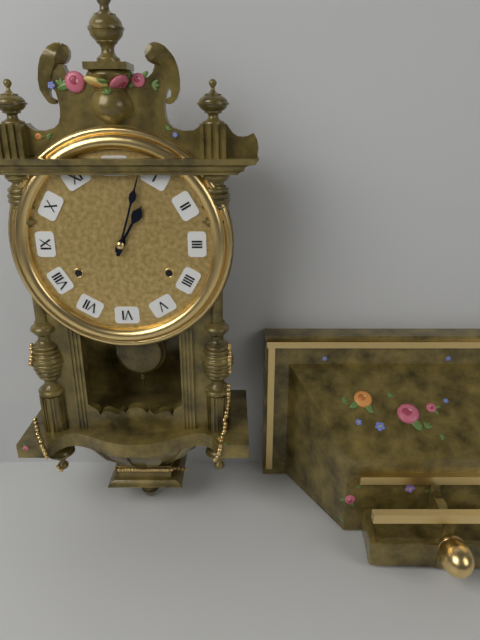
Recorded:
1.03
